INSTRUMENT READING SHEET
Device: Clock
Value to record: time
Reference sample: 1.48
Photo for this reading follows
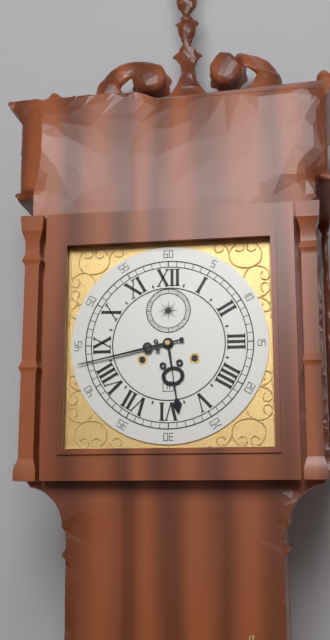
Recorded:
5.43
